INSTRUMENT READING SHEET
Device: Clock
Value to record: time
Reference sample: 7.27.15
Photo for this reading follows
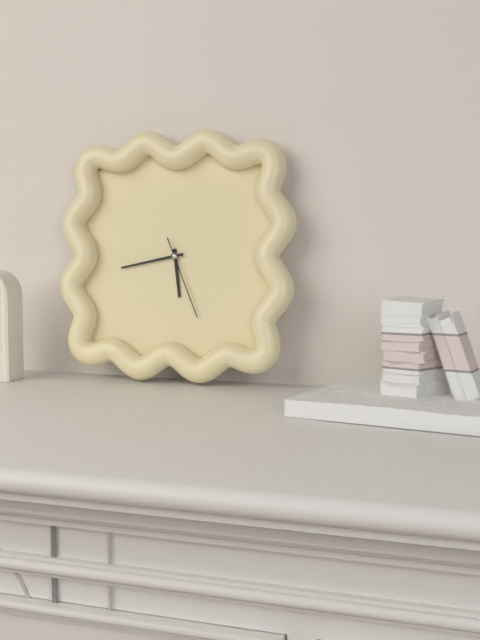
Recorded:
5.43.26
